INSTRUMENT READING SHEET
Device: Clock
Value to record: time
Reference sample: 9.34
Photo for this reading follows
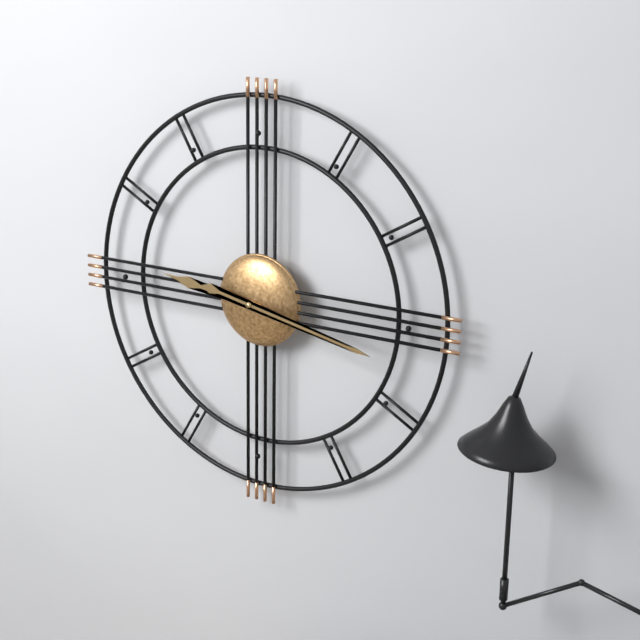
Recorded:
9.17
